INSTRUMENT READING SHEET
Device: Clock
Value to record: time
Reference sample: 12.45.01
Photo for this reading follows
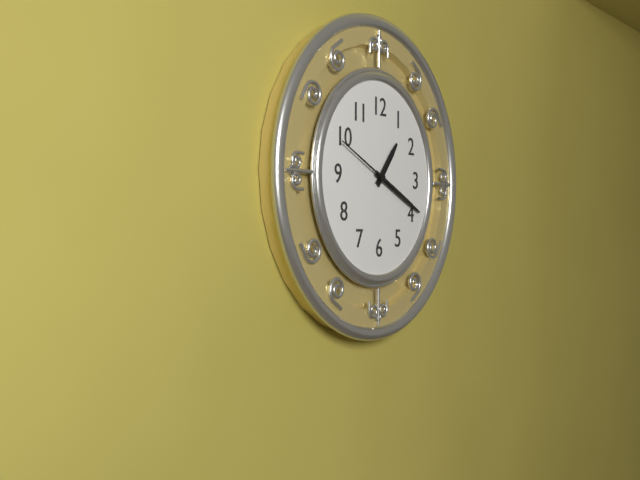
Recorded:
1.19.49
